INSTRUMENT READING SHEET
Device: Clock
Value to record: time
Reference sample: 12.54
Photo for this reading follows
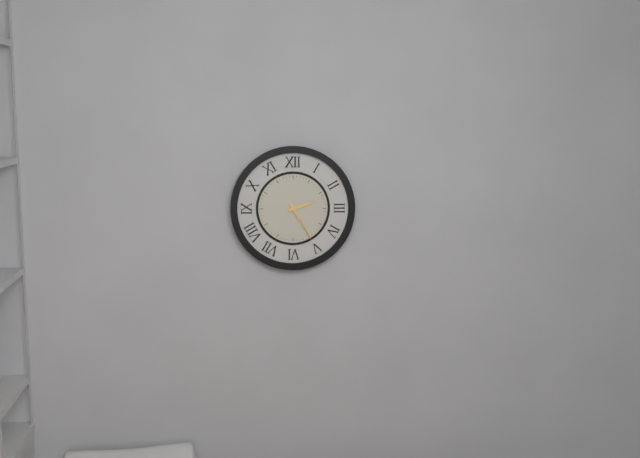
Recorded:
2.25
